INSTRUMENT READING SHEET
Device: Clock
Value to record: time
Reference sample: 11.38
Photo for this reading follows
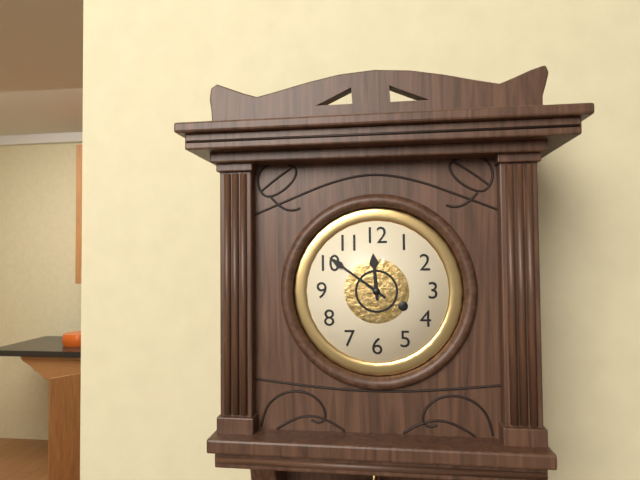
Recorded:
11.51
